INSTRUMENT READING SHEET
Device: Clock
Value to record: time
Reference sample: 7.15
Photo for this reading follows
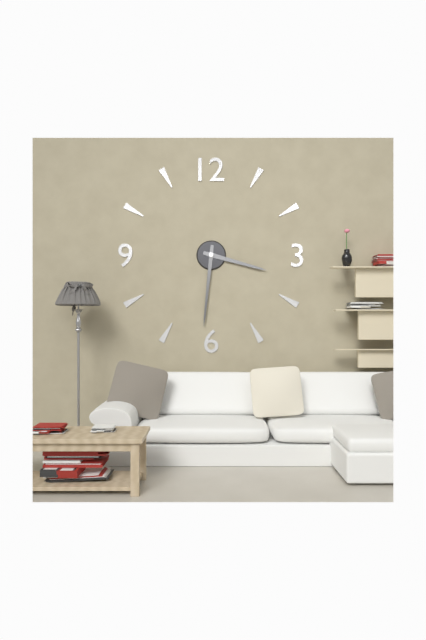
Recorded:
3.31
